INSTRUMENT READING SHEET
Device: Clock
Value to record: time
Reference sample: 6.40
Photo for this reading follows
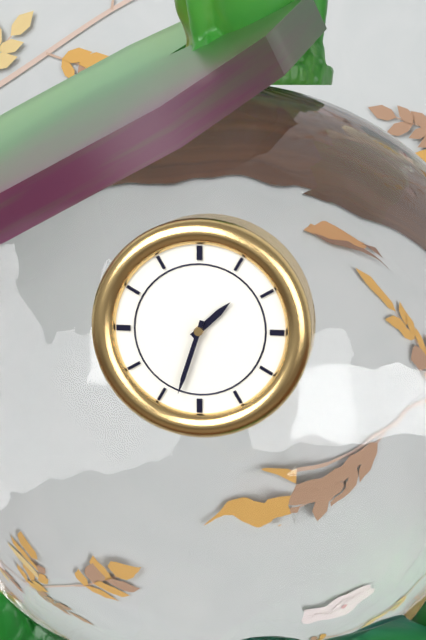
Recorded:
1.33
